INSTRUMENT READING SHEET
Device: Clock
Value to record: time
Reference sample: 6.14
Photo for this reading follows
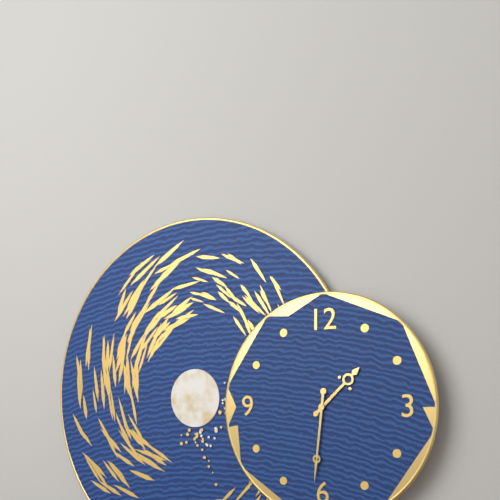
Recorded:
1.31
